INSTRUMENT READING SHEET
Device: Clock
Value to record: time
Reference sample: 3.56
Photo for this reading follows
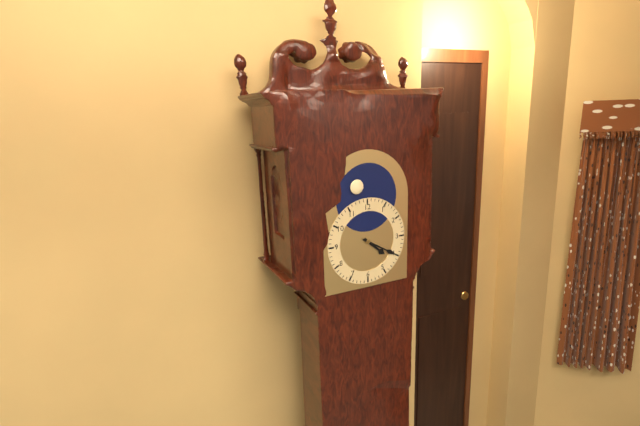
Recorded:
4.20
